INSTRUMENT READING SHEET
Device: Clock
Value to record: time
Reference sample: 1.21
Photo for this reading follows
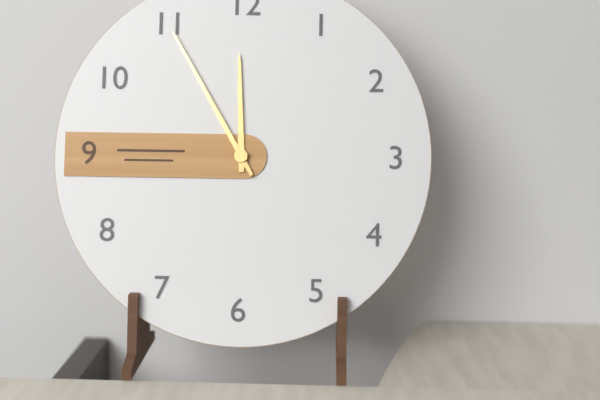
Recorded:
11.55
